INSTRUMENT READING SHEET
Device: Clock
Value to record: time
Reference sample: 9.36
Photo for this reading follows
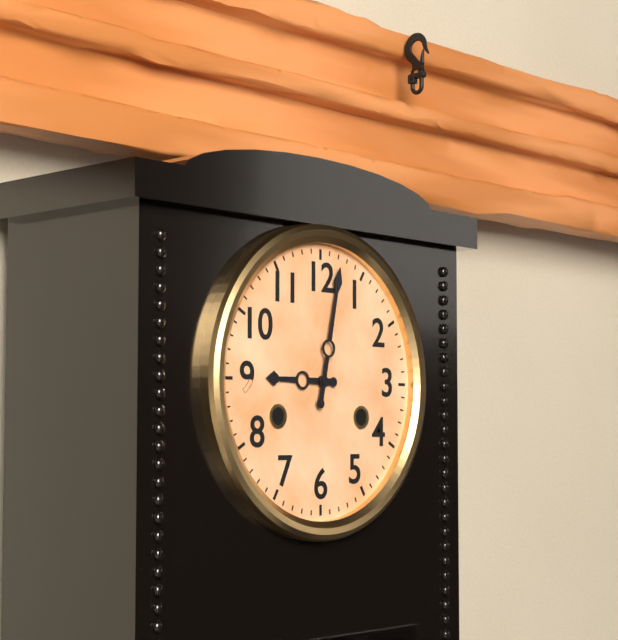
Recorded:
9.02
